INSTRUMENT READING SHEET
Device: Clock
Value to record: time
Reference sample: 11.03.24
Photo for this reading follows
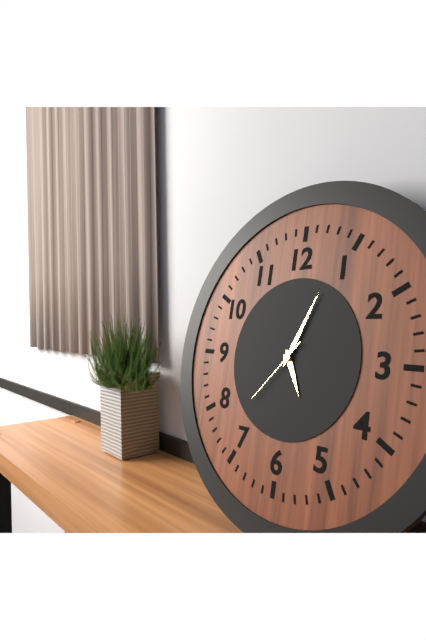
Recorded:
5.04.37
